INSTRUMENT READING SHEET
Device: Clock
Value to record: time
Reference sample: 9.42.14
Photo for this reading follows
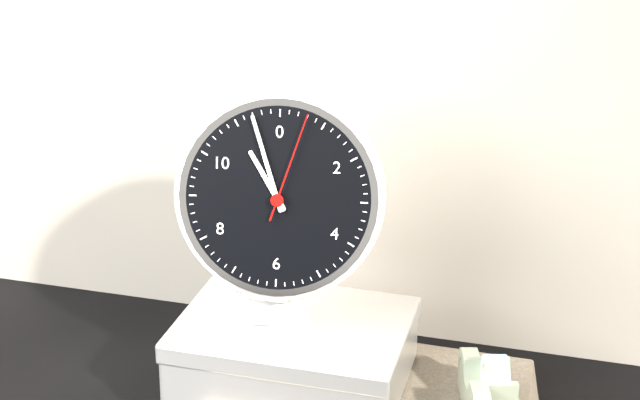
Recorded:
10.57.03
